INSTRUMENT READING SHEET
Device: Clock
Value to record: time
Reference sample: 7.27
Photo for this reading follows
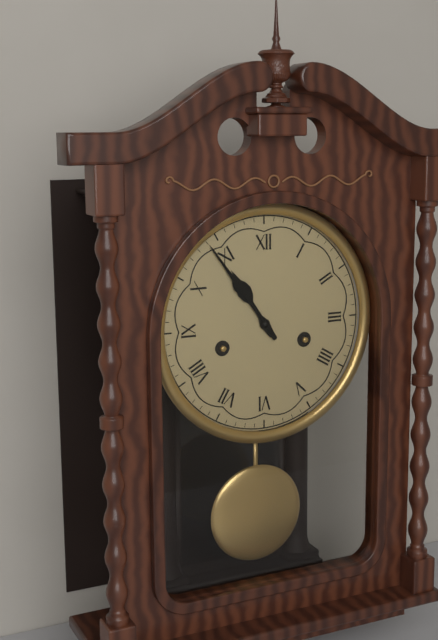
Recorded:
10.54
